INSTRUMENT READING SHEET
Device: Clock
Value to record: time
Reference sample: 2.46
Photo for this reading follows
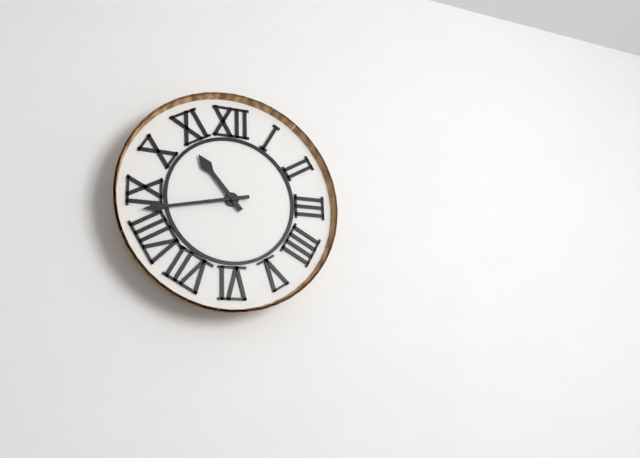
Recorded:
10.43
